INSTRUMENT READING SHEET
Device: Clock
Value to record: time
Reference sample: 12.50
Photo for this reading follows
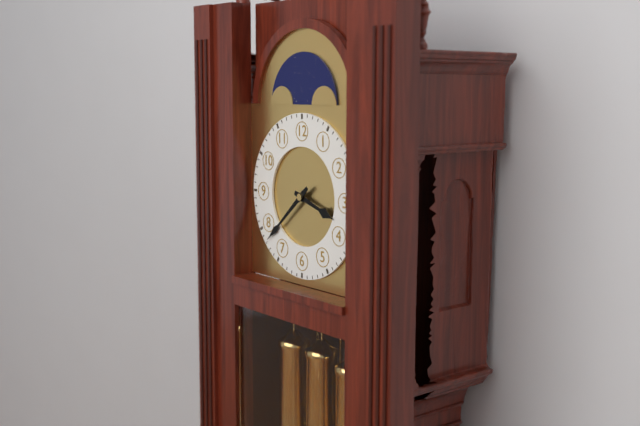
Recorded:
3.38
